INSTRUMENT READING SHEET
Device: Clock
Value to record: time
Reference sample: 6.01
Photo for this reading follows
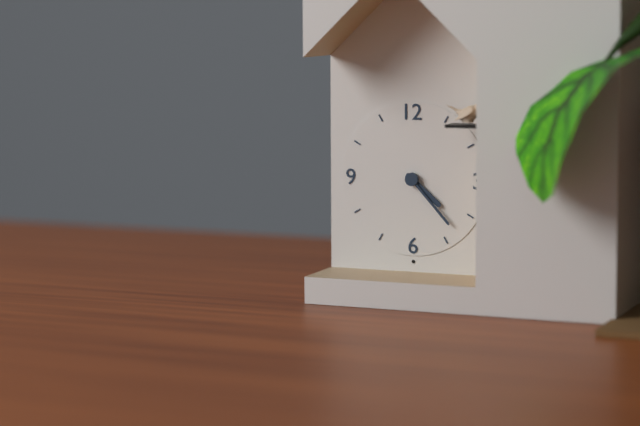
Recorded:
4.23
